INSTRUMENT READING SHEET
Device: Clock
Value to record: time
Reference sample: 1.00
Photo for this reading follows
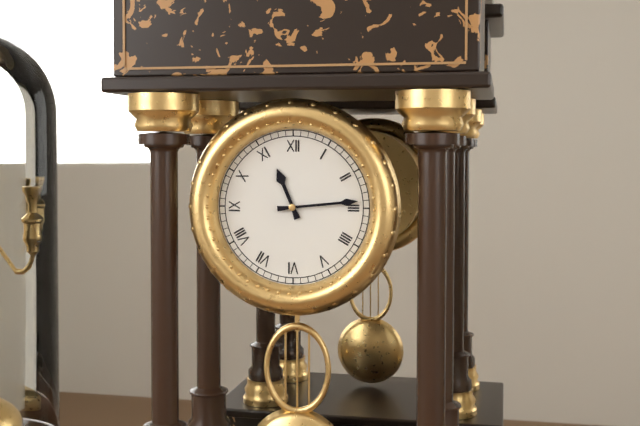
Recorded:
11.14
